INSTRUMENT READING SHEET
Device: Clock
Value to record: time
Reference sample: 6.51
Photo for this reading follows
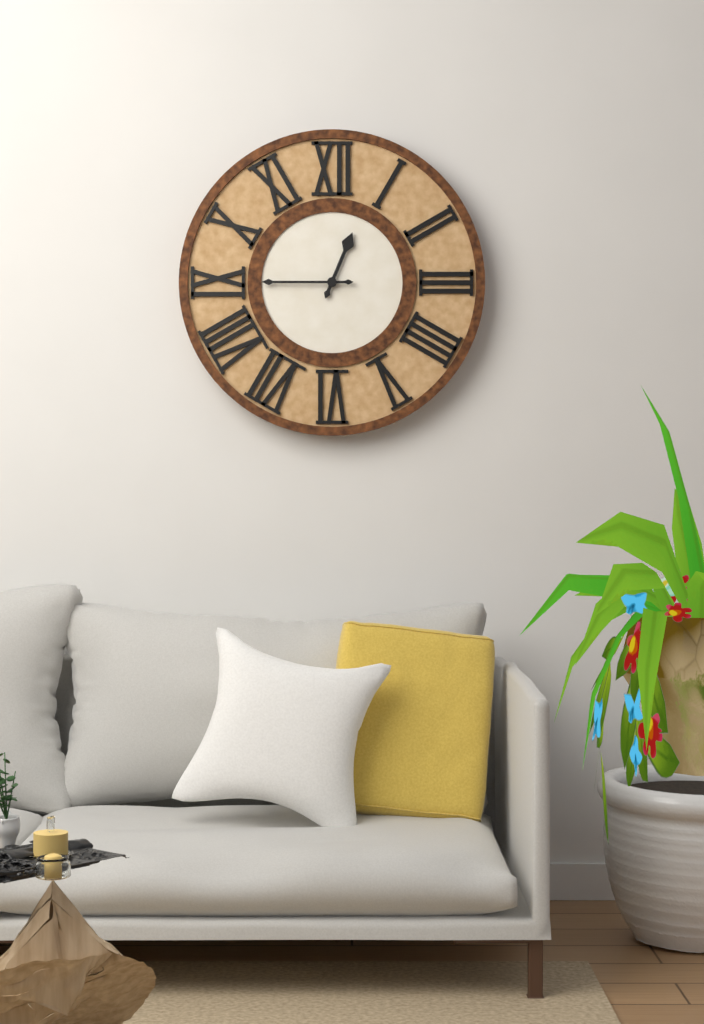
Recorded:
12.45
